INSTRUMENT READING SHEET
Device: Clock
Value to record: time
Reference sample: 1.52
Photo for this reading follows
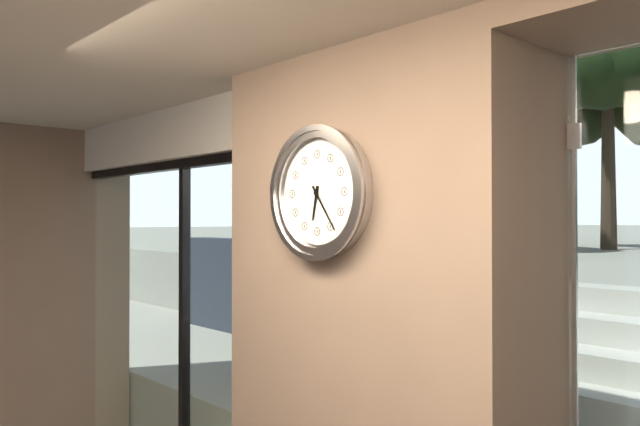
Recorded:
6.24
